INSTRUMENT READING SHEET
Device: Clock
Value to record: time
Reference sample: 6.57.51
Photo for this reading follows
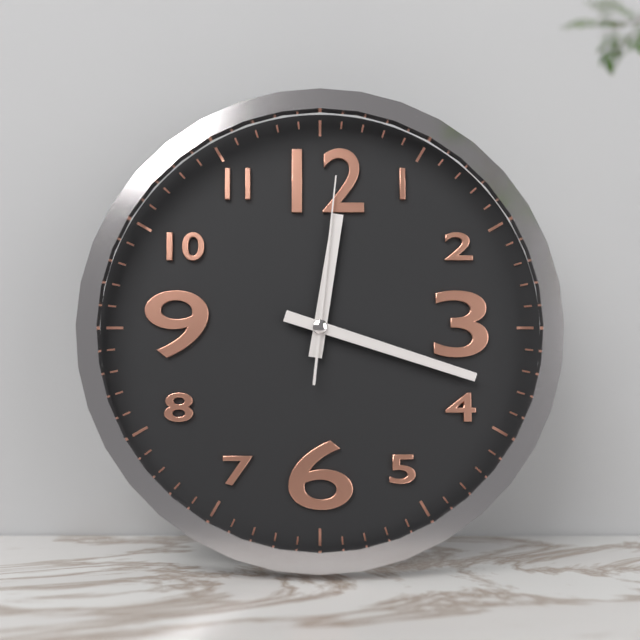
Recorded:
12.18.01
